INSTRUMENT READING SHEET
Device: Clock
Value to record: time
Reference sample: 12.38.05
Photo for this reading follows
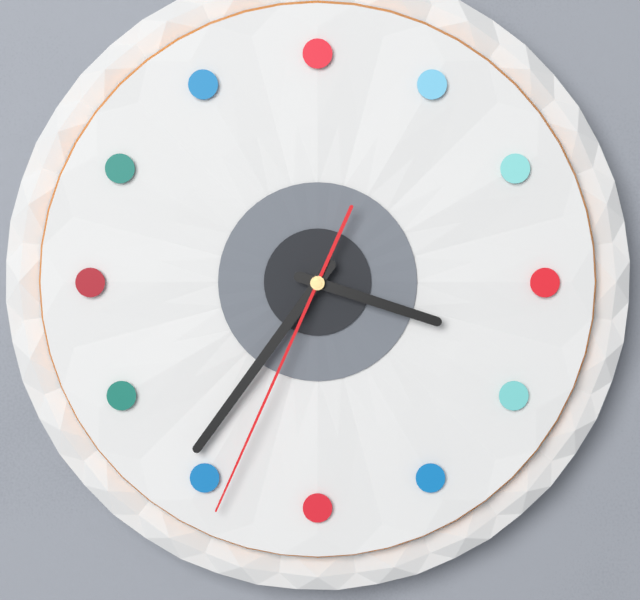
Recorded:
3.36.34
